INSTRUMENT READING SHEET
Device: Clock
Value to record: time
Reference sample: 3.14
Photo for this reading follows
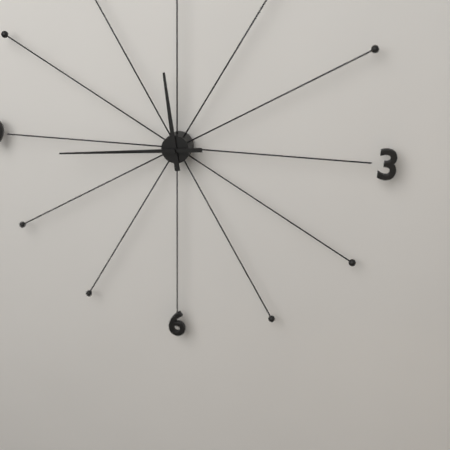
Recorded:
11.44
